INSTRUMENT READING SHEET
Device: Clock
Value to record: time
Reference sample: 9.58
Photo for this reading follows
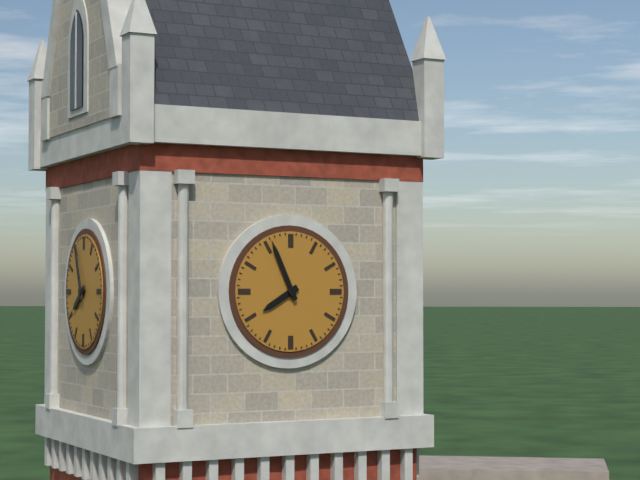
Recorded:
7.56
